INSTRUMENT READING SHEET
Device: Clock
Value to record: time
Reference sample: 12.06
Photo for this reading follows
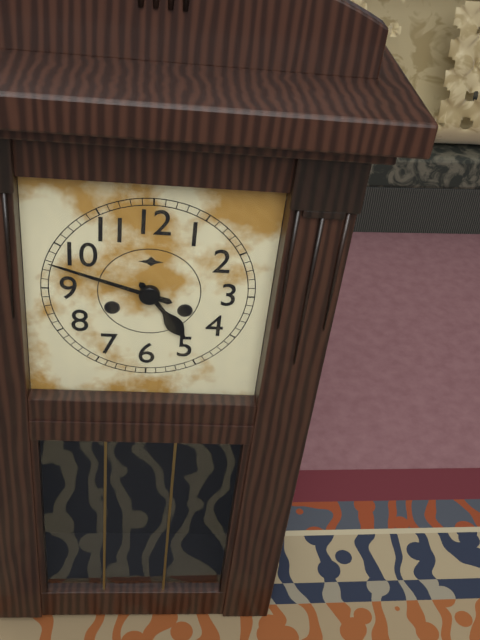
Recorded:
4.48
